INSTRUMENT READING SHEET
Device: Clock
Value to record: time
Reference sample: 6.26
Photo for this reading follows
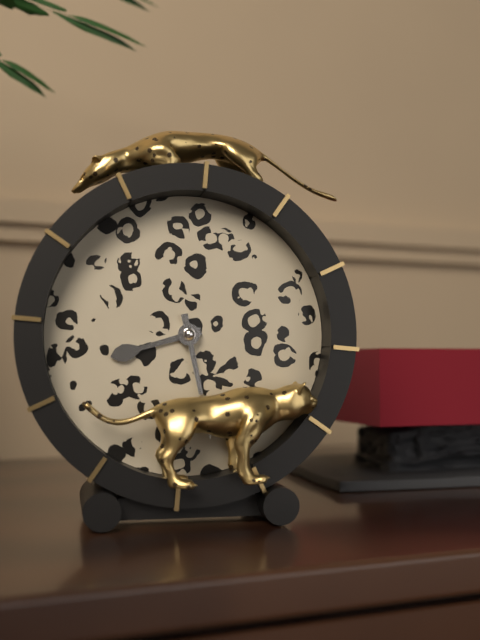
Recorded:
8.28
